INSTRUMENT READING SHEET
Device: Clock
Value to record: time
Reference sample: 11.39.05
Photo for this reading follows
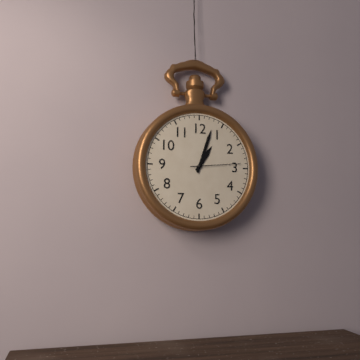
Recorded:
1.03.14
